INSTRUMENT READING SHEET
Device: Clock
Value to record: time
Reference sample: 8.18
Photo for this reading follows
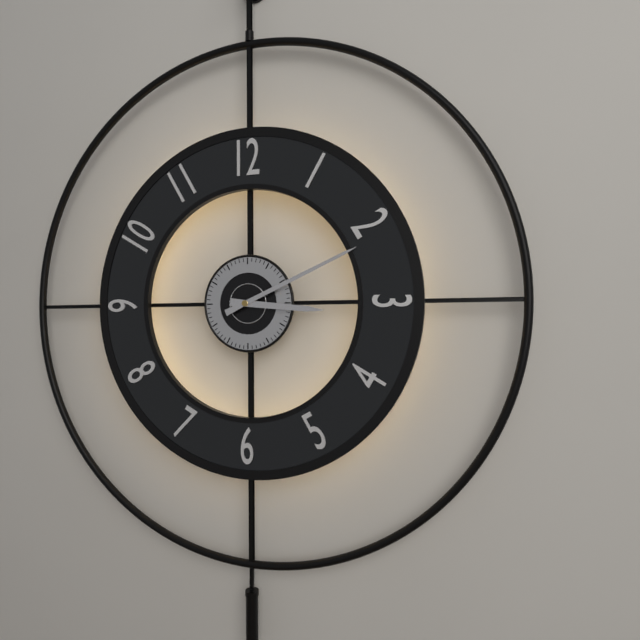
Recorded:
3.11
